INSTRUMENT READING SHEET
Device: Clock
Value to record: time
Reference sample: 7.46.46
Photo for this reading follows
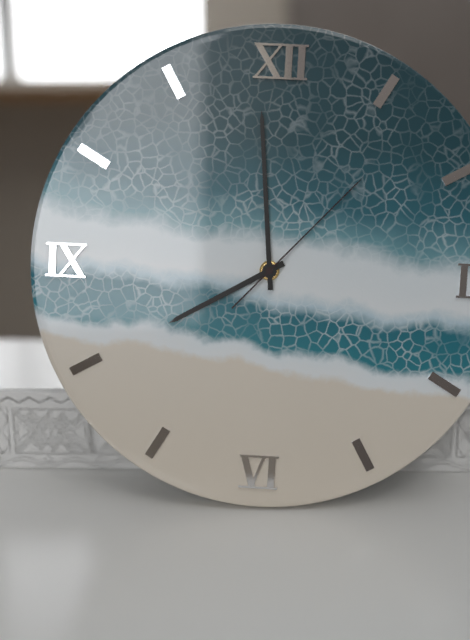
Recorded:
7.59.07
